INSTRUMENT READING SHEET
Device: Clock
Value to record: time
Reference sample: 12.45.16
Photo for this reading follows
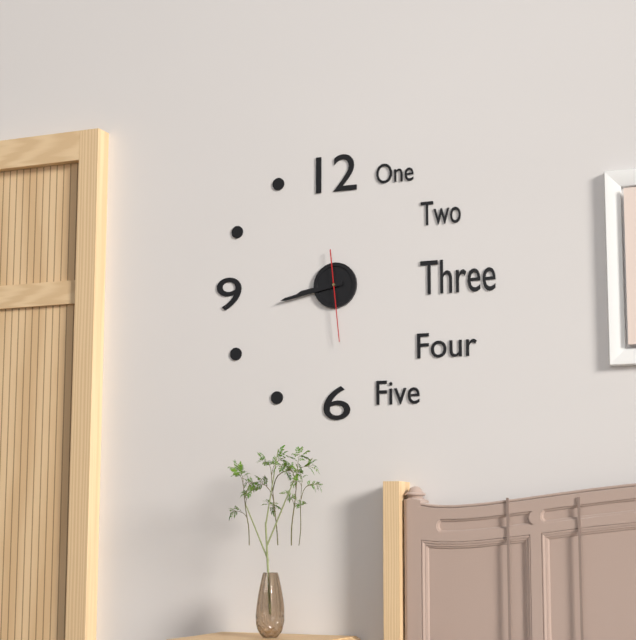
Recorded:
8.43.29
